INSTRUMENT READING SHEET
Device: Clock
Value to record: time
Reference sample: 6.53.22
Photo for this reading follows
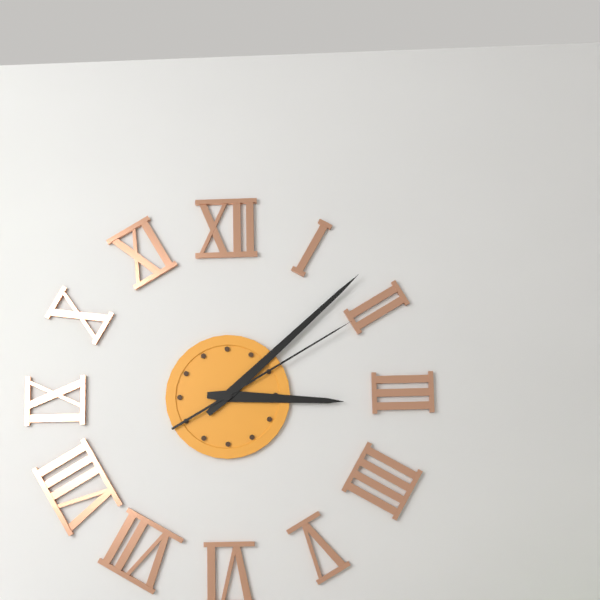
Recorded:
3.08.10
